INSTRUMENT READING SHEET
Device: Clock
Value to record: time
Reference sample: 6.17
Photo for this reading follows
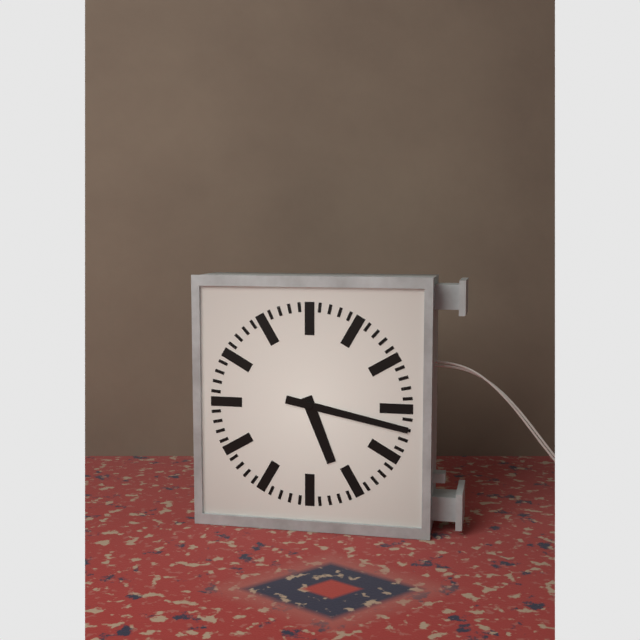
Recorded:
5.17
